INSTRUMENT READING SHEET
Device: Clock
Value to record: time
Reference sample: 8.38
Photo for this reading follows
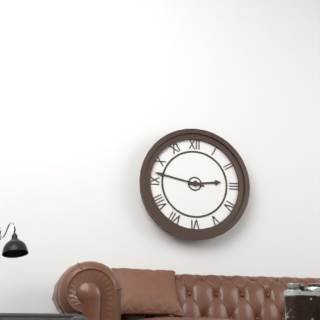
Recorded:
2.47
